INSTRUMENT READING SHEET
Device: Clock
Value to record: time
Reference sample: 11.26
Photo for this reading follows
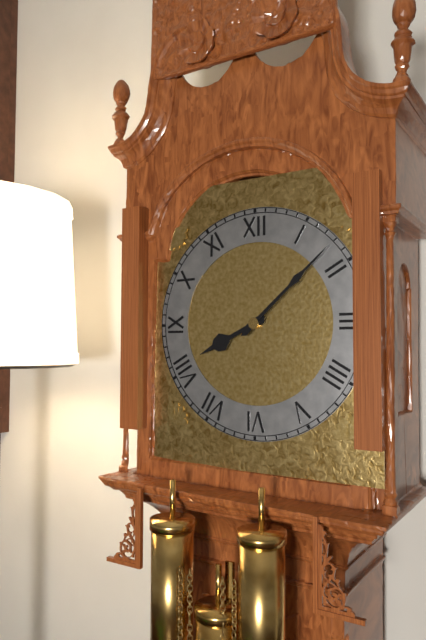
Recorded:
8.08
